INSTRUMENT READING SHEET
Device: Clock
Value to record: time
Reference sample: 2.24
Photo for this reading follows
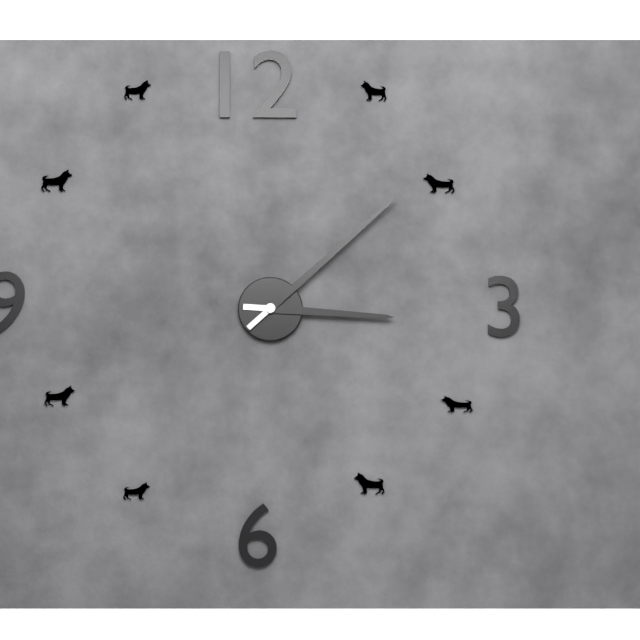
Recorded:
3.08
